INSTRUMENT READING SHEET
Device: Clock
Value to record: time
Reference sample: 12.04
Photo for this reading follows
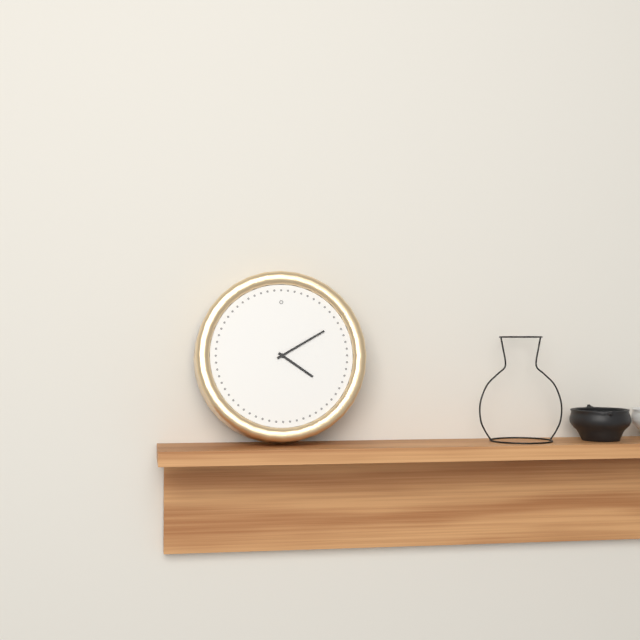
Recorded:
4.10
